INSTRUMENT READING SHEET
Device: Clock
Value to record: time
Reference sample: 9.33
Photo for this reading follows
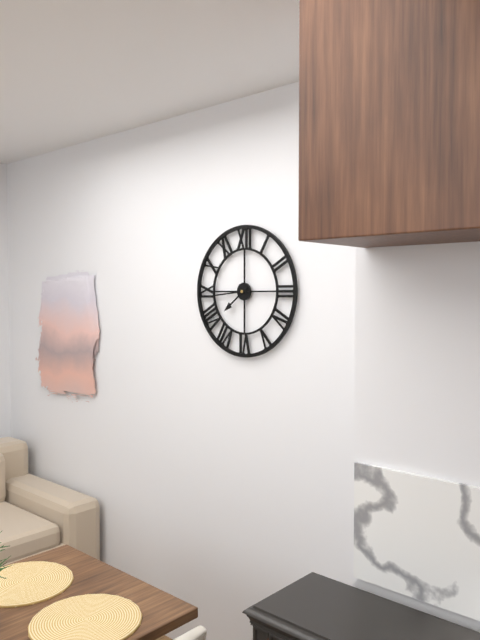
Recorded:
7.44
